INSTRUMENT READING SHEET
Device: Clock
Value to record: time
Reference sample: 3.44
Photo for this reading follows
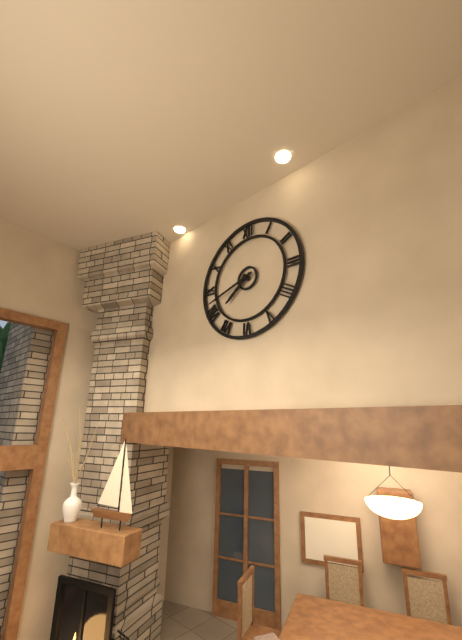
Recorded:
7.42
